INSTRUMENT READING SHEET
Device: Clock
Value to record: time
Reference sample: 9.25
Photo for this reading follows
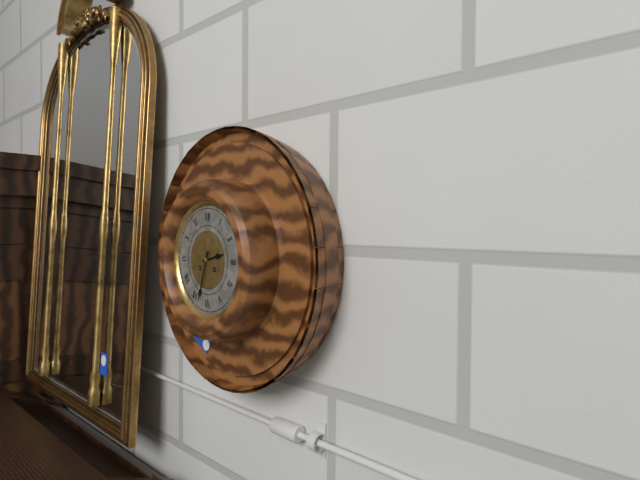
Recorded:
2.33
